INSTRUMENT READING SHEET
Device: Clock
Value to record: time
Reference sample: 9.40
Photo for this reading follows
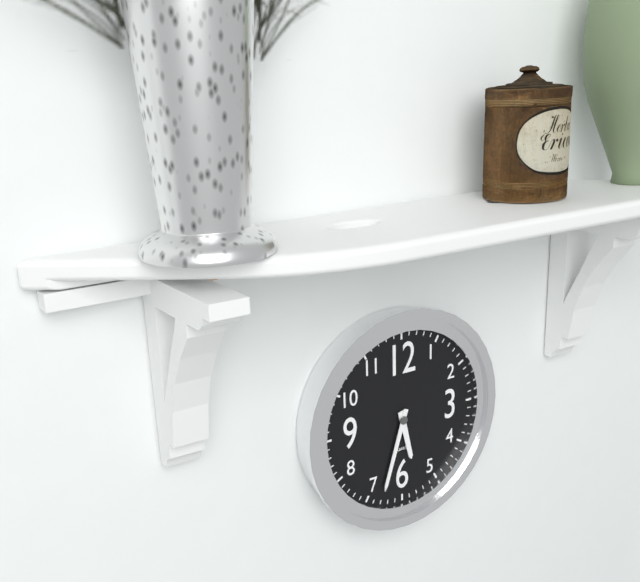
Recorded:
5.33
